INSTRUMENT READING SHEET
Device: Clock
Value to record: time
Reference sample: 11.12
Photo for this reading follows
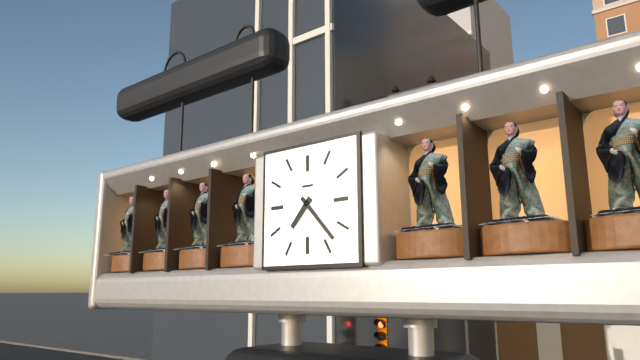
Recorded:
7.23
